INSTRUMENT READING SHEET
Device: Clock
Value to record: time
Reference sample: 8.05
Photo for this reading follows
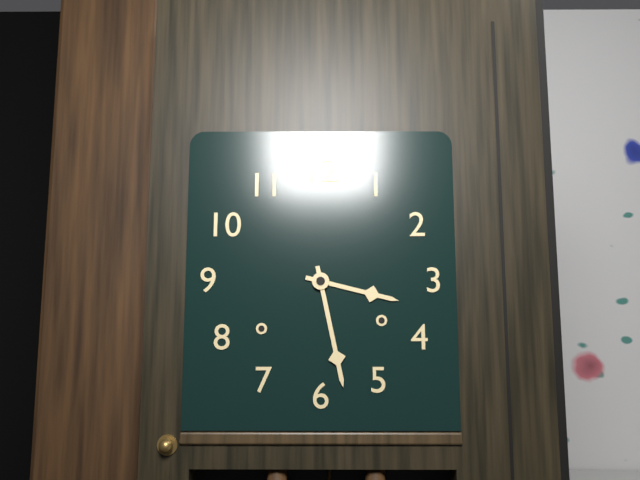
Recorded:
3.28
